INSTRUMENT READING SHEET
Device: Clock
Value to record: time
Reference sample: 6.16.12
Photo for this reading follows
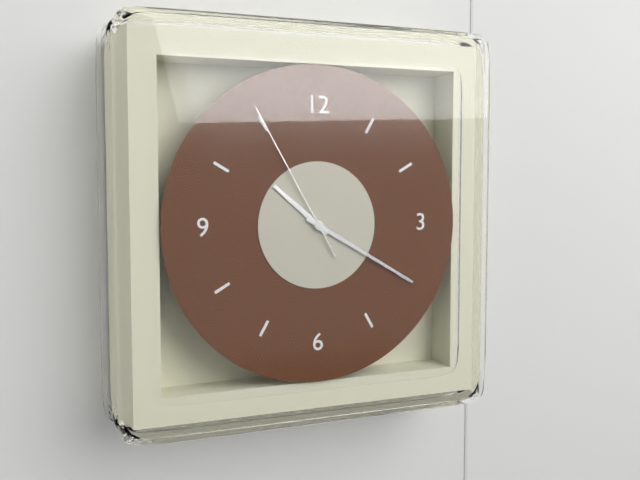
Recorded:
10.20.55
